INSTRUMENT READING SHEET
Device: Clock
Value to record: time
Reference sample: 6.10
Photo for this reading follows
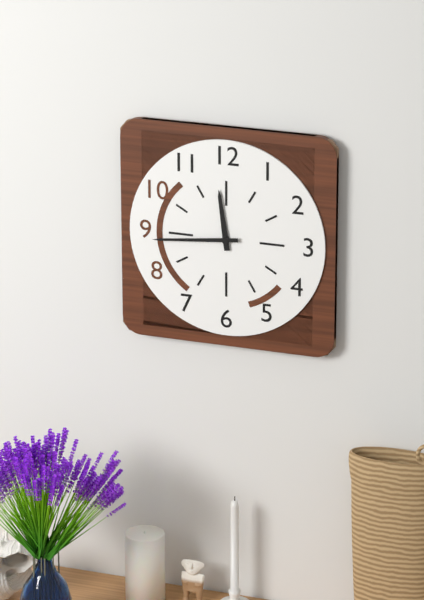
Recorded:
11.44
